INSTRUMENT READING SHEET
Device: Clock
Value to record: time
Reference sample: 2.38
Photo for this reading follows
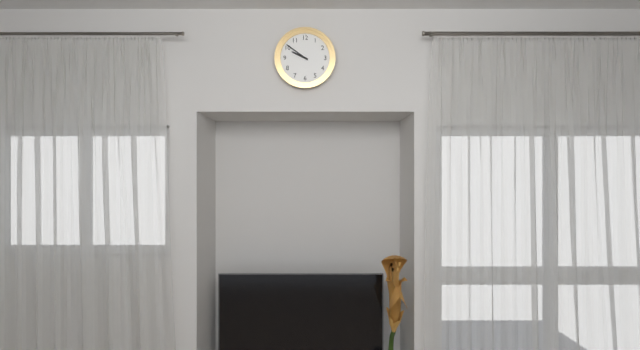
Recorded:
9.51
